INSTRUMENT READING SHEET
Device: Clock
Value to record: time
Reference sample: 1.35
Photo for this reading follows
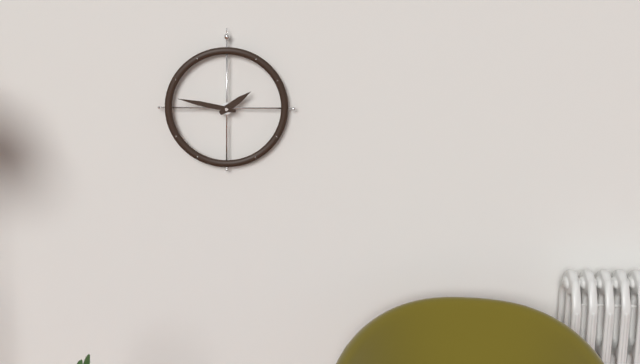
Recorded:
1.47
